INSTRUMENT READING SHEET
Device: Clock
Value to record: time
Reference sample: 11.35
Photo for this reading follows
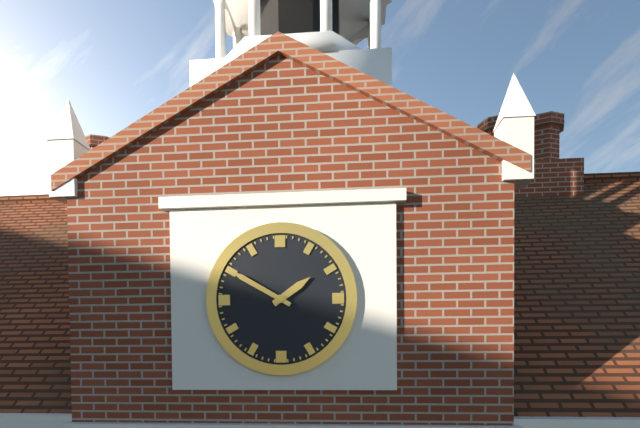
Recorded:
1.50
